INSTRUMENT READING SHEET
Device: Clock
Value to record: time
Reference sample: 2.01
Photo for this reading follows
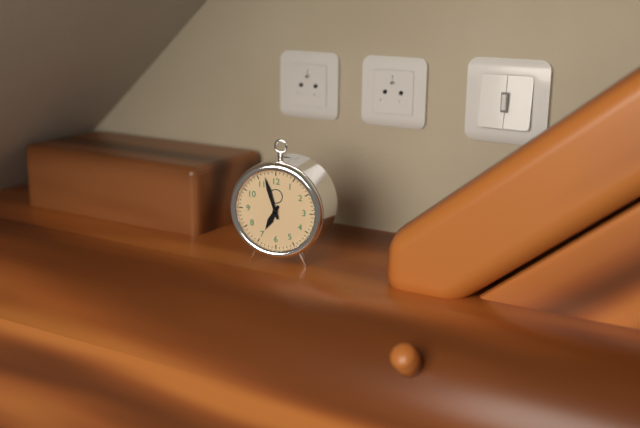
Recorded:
6.57
